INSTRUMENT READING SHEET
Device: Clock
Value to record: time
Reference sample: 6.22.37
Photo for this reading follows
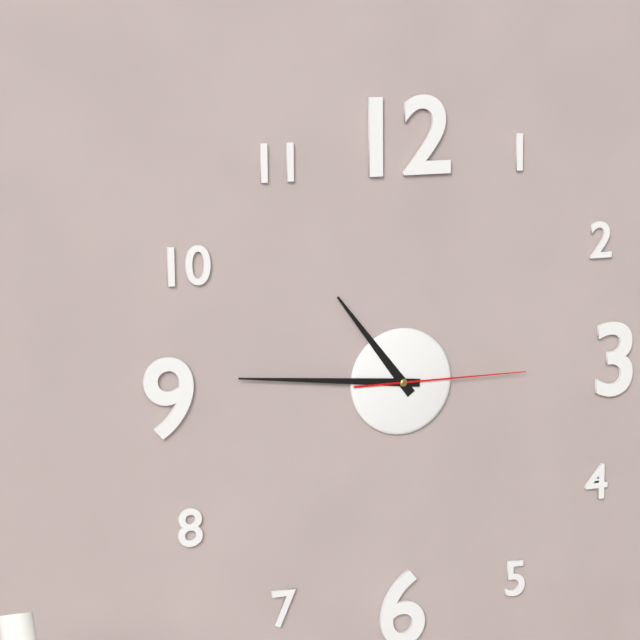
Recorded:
10.46.15
